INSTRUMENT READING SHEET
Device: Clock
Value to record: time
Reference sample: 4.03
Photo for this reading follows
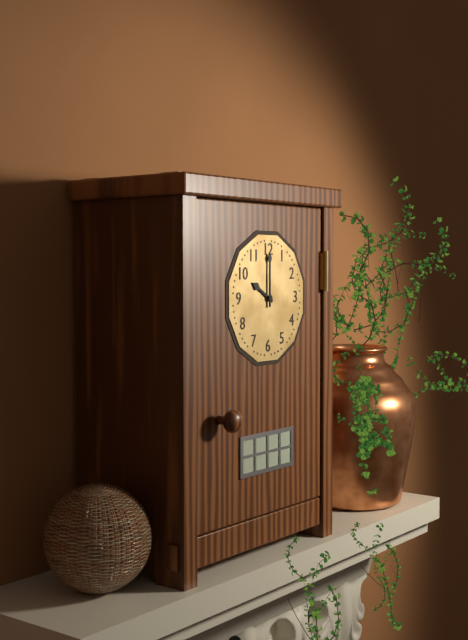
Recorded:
10.00
